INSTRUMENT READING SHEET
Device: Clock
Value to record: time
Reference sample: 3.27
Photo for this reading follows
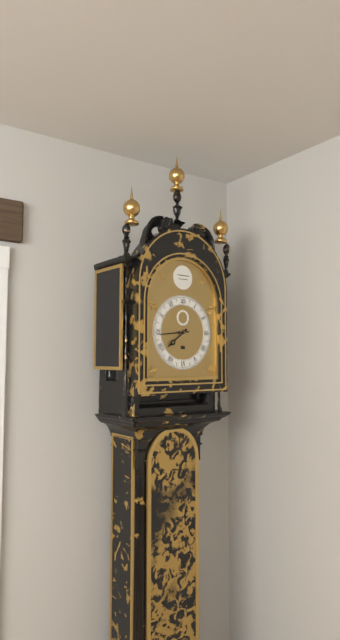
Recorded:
7.44
